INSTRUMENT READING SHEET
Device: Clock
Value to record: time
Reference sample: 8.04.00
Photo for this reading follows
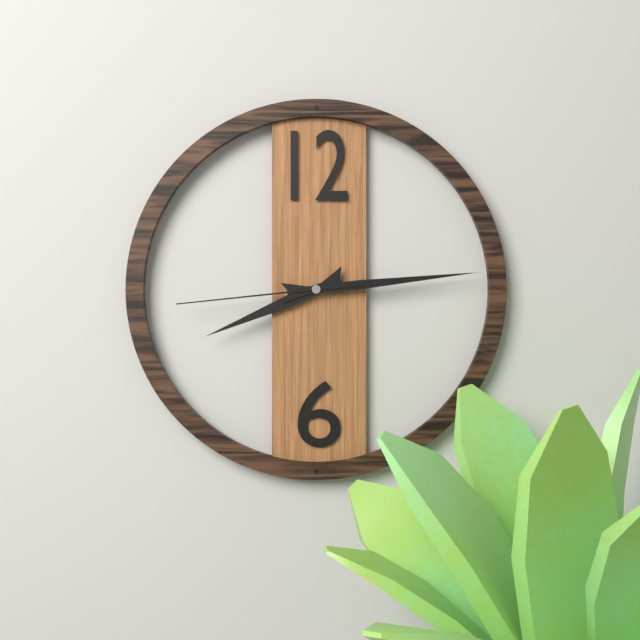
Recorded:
8.14.44
